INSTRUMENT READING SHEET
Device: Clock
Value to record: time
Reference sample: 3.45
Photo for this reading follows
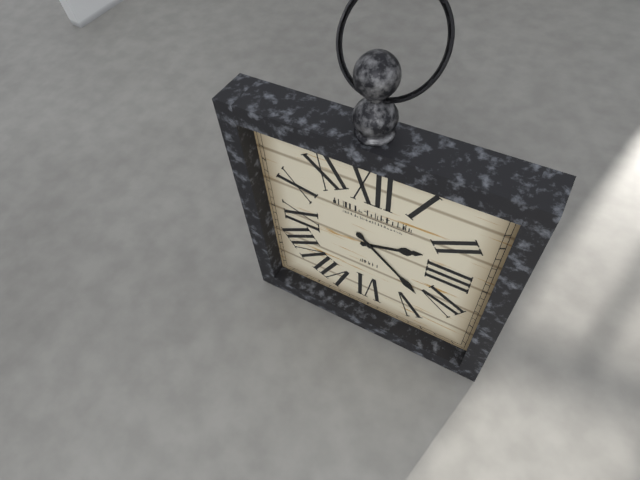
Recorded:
2.22
